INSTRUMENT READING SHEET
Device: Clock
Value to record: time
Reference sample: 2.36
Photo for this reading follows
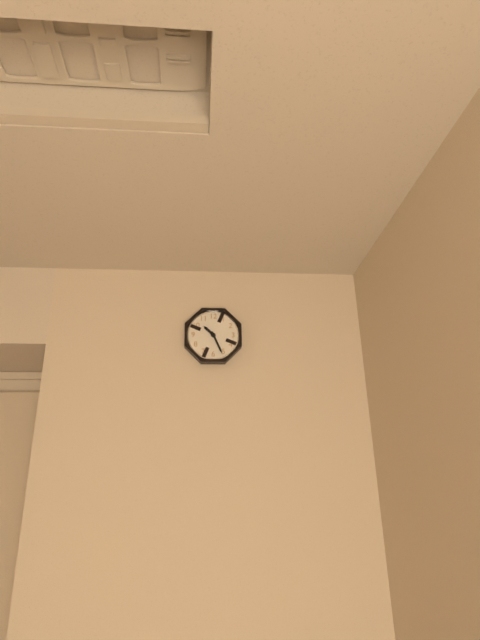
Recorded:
10.26
